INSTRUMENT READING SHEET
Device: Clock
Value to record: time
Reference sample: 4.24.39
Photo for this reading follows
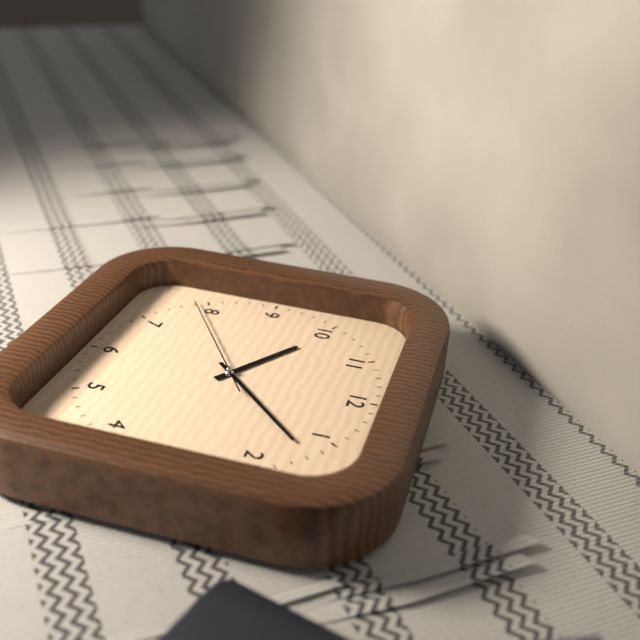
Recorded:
10.07.39
